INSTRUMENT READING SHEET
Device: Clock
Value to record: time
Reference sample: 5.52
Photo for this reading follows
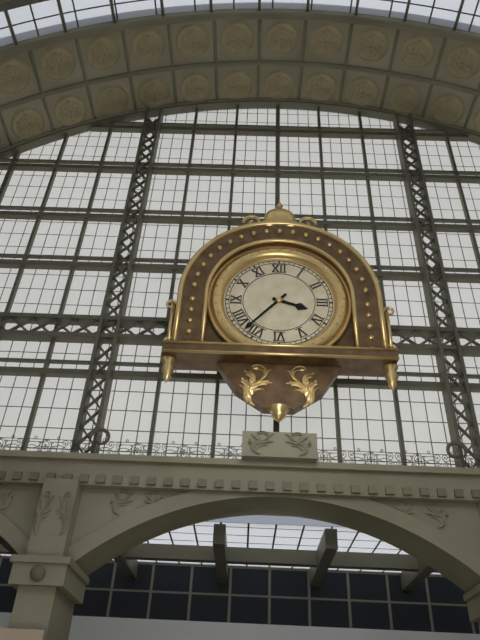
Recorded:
3.37
